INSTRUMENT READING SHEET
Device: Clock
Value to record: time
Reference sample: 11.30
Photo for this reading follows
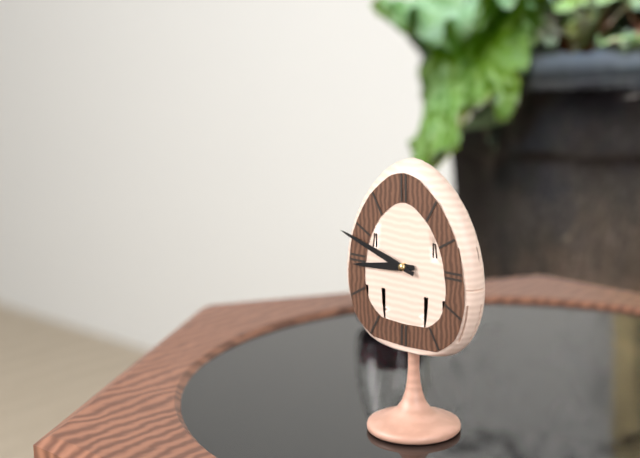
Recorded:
8.48
